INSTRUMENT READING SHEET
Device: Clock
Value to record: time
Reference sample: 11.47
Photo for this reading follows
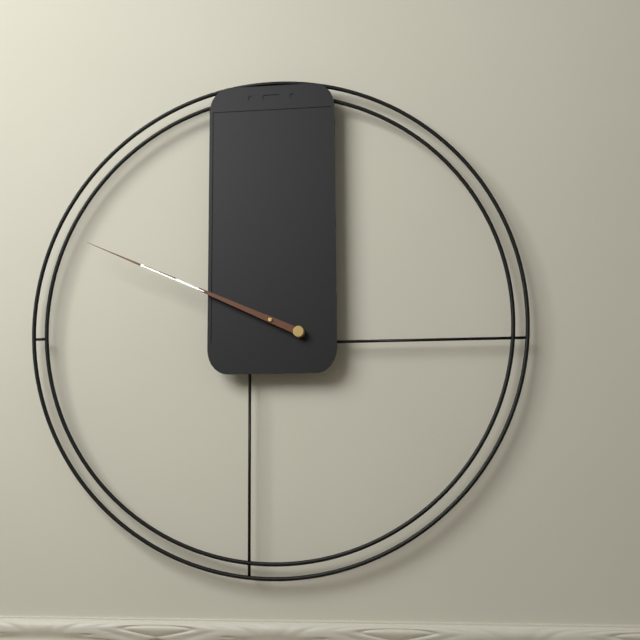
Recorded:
9.49
